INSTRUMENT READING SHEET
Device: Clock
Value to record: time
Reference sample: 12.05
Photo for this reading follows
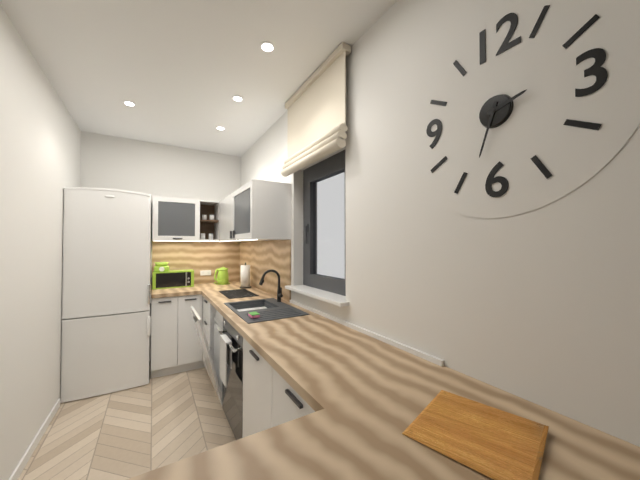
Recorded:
2.33
